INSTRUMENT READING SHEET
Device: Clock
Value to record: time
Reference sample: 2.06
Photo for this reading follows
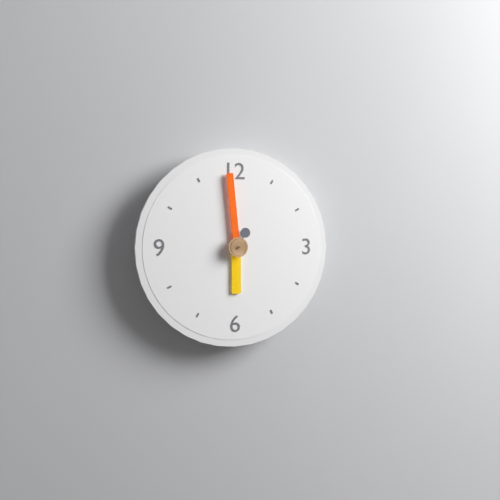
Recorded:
5.59
